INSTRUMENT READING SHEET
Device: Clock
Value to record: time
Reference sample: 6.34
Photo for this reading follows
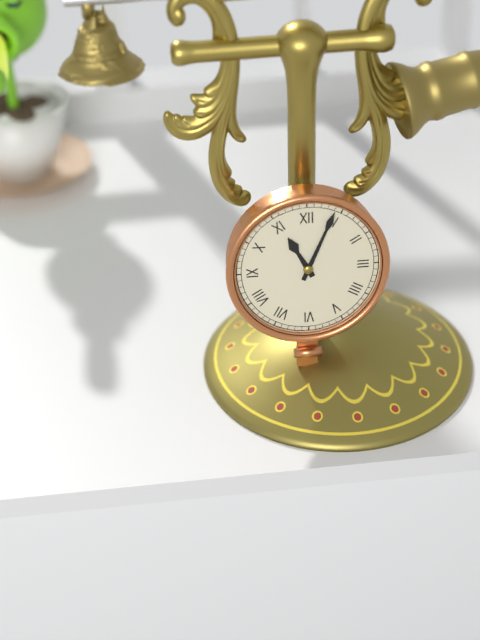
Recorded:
11.04
